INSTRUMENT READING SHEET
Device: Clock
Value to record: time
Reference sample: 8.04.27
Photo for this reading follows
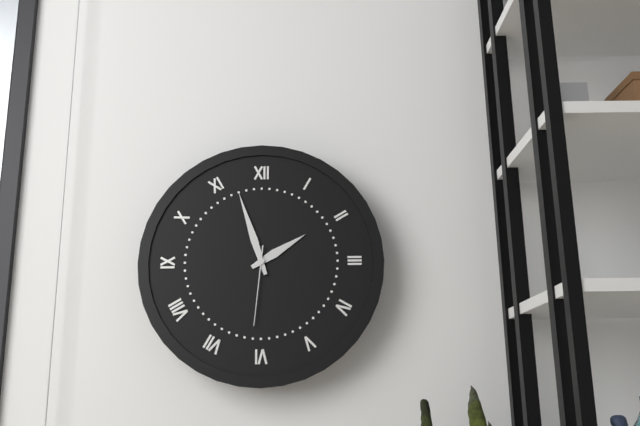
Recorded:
1.57.31
